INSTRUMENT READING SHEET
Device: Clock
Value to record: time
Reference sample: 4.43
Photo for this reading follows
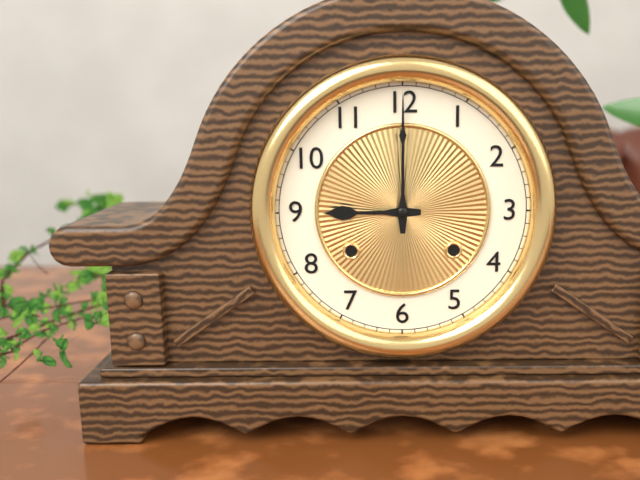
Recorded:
9.00
